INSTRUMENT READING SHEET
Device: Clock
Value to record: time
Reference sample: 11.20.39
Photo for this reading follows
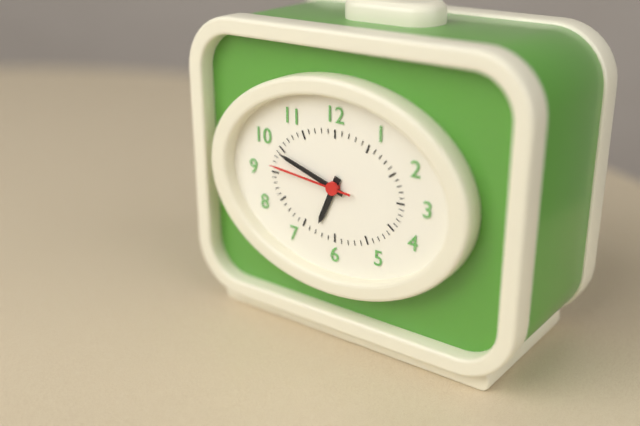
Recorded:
6.48.46
